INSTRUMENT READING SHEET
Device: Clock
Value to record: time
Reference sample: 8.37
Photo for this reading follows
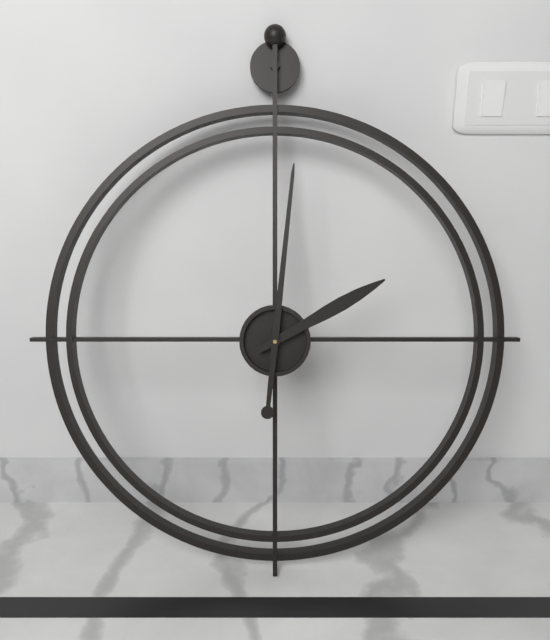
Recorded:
2.01
